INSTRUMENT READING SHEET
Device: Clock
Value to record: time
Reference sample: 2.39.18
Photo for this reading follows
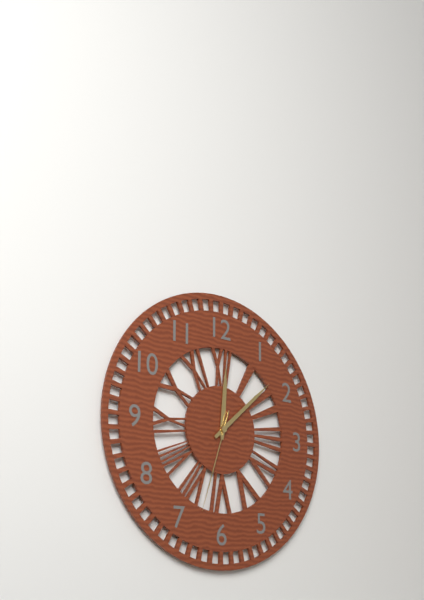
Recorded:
12.08.33
